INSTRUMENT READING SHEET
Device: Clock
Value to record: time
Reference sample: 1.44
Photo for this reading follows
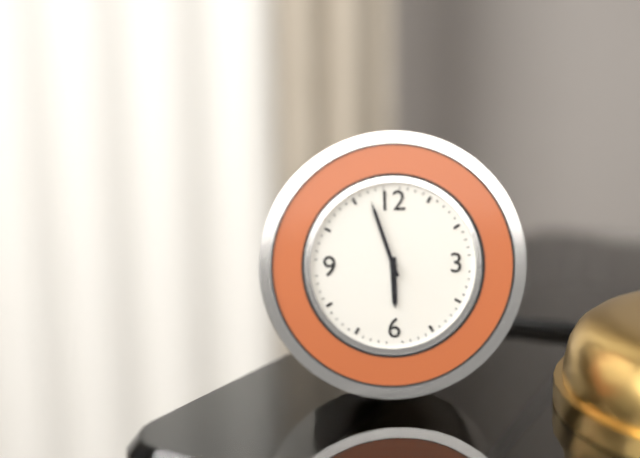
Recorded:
5.57
